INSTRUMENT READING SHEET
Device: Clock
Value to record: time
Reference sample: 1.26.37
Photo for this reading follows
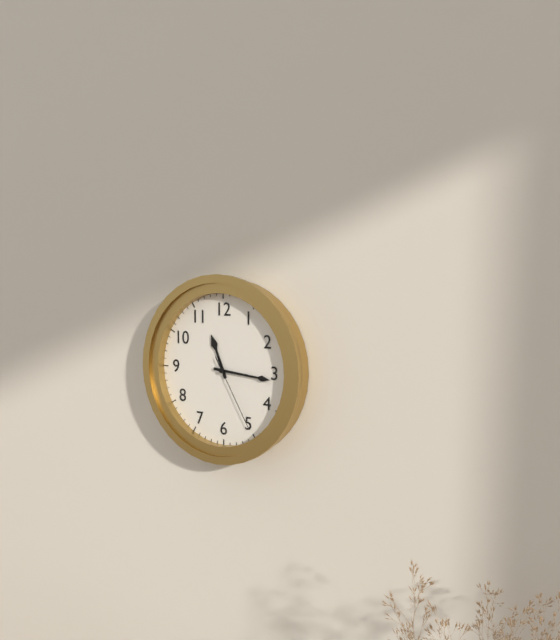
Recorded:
11.16.25
